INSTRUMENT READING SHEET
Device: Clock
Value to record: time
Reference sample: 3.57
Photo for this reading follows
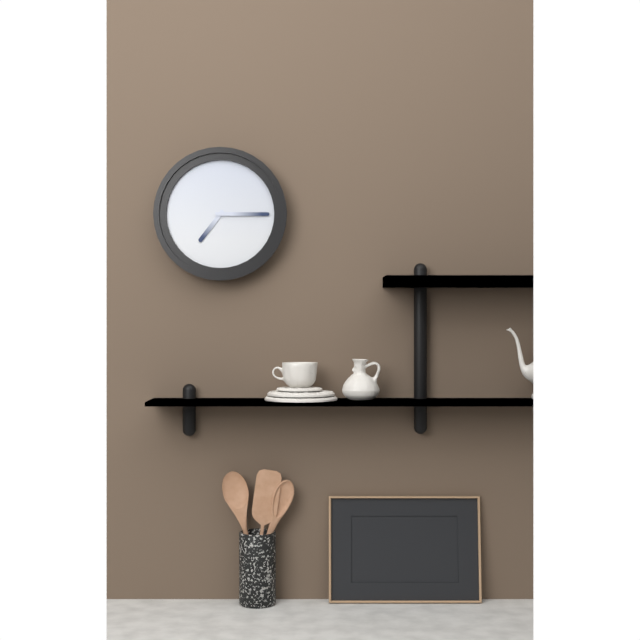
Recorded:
7.15
